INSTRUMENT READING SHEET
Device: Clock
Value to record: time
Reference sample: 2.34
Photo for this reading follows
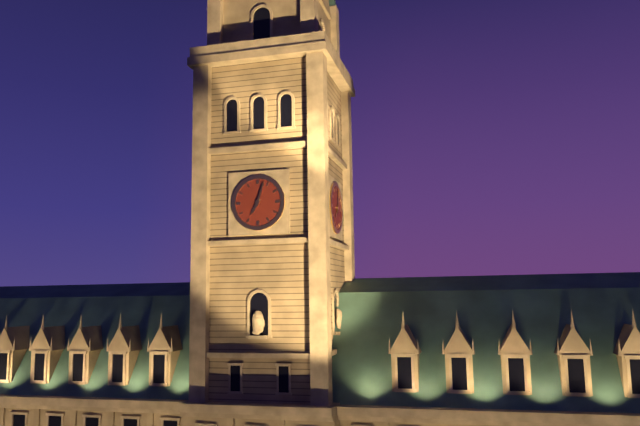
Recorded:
7.03
